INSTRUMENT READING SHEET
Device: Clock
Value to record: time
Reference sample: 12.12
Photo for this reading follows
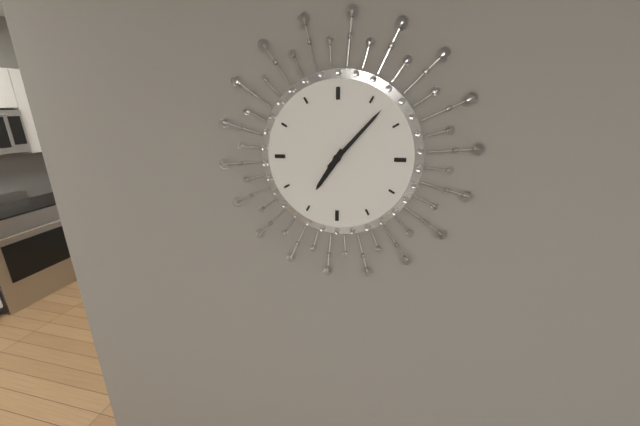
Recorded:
7.07
